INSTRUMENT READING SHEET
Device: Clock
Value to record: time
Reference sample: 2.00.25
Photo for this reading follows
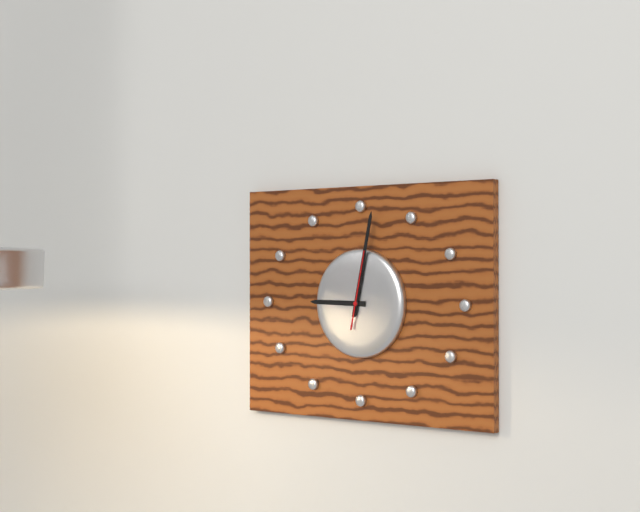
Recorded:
9.02.02
